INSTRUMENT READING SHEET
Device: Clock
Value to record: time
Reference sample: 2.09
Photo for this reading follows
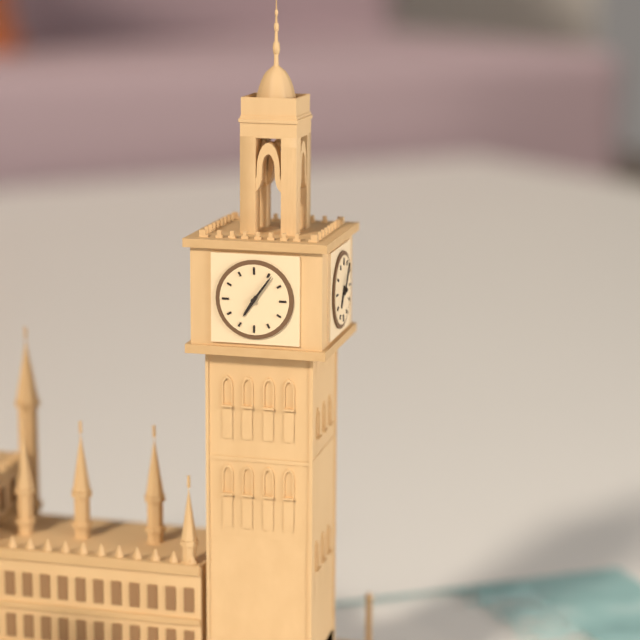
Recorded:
7.06
